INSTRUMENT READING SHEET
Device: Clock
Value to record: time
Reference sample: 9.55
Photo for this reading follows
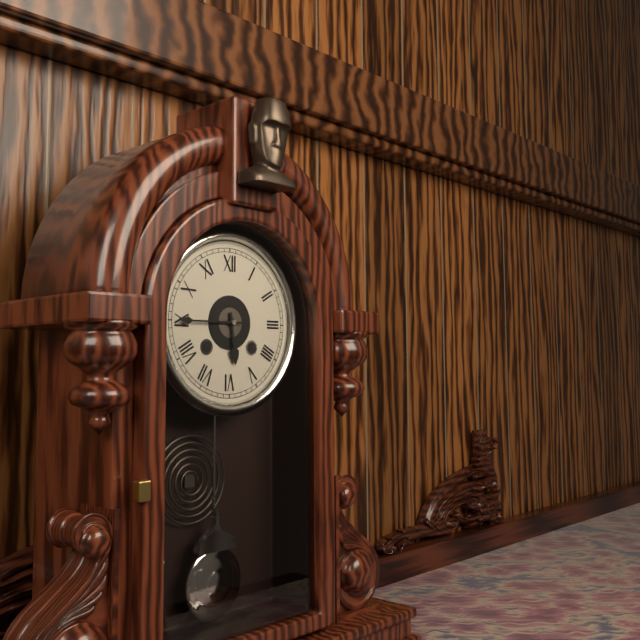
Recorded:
5.45
